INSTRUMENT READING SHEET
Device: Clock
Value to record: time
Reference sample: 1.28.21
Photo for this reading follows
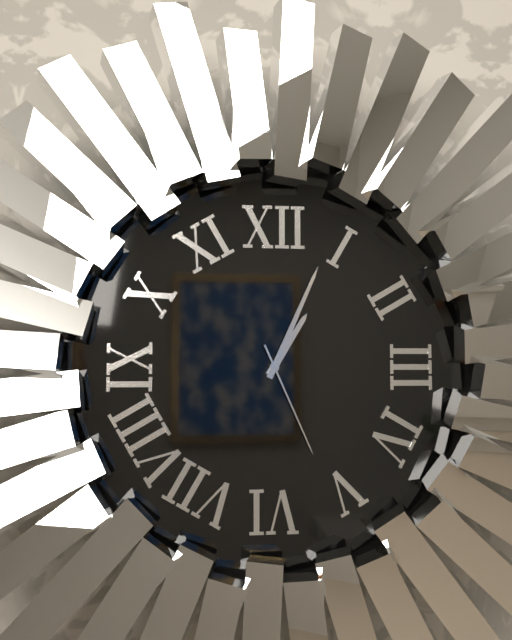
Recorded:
1.04.26
